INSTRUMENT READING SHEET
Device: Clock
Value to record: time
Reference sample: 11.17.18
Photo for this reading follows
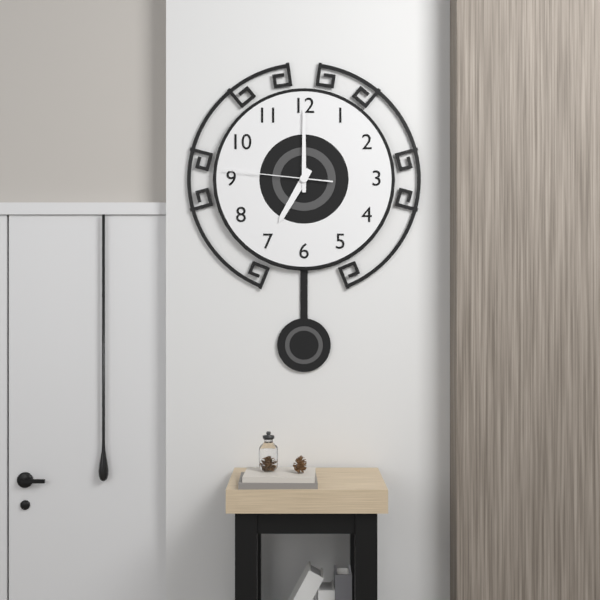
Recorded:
7.00.46
